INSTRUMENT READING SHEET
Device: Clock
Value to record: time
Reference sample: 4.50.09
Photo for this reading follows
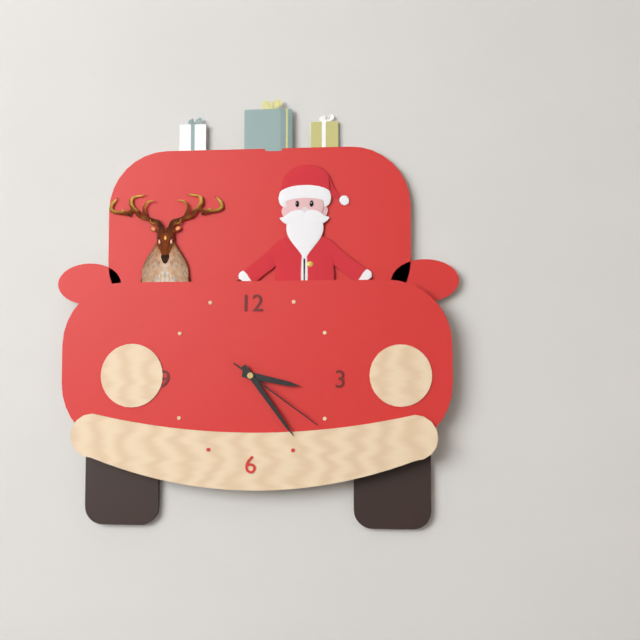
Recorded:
3.24.21
